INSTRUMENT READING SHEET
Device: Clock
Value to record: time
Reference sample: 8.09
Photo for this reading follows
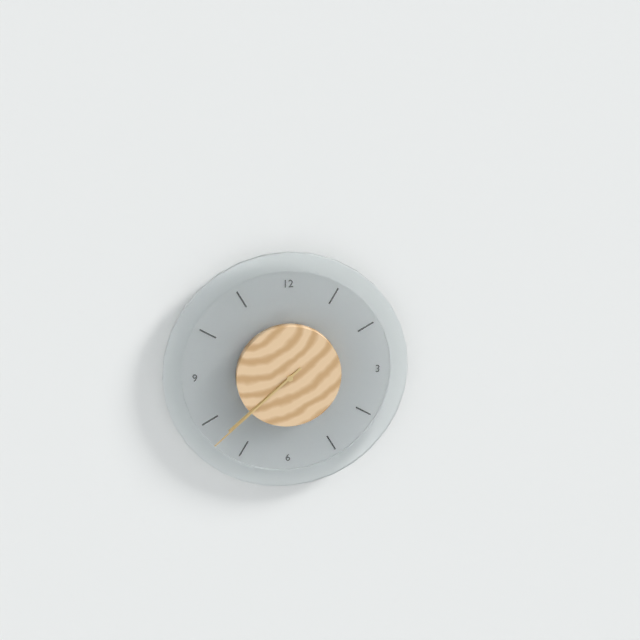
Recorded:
7.38
